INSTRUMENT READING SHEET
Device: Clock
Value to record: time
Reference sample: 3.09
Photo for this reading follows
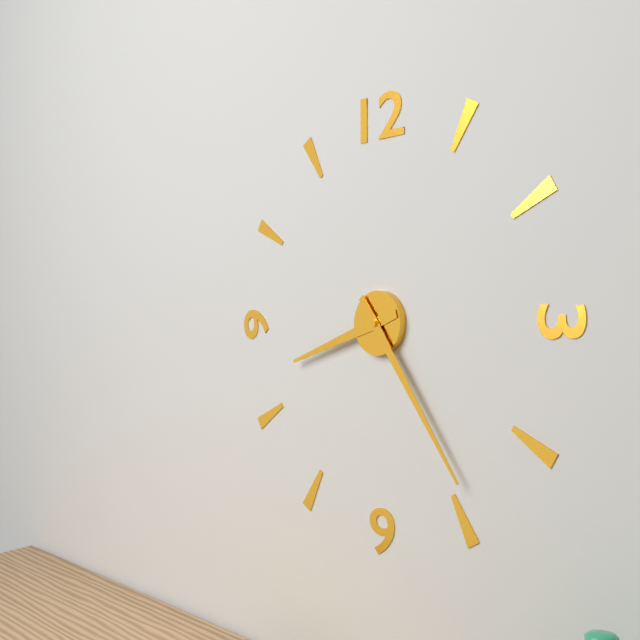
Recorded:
8.24
